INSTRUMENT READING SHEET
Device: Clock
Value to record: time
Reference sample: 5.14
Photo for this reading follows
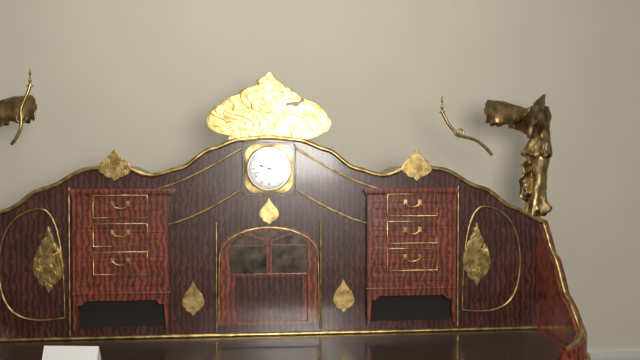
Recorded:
9.42
